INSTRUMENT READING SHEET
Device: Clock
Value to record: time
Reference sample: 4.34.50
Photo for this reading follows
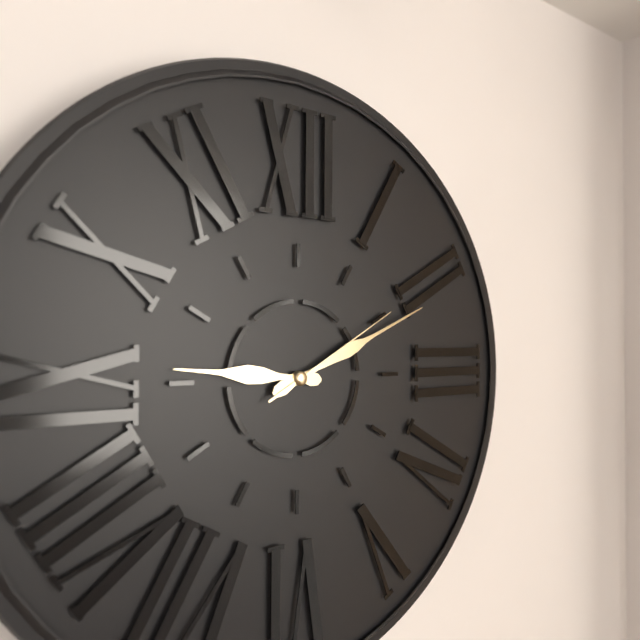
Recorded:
9.11.10
